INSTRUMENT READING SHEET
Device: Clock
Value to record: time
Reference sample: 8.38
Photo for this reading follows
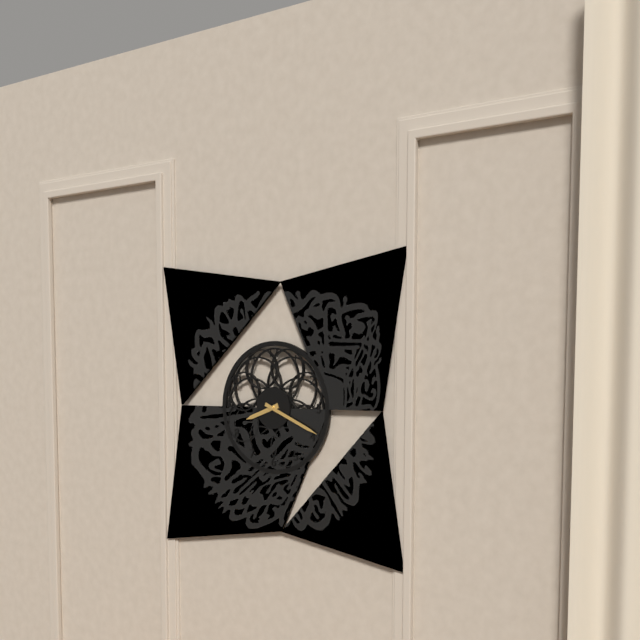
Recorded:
8.19
